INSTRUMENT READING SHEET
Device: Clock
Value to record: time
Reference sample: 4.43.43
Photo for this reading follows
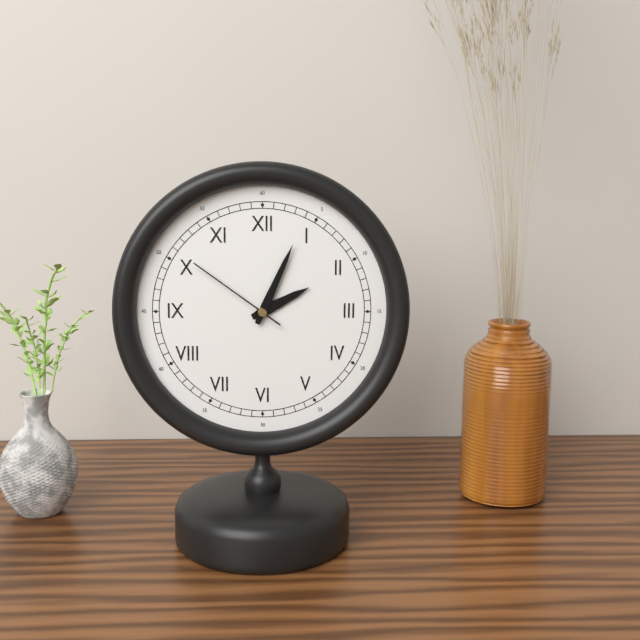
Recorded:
2.04.51
